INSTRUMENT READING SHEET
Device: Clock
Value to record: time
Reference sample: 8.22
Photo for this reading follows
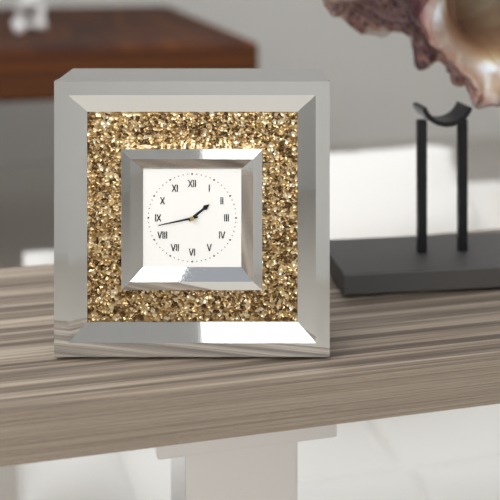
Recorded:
1.43
